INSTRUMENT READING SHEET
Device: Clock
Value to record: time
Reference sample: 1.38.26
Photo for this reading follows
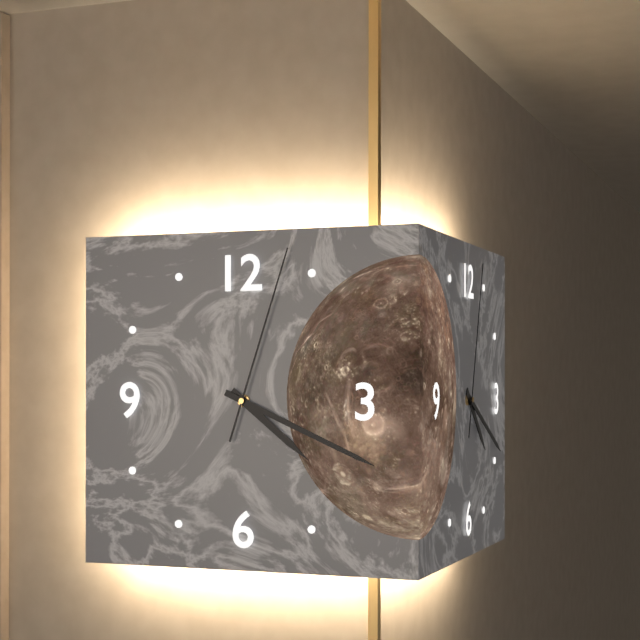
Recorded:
4.19.03
